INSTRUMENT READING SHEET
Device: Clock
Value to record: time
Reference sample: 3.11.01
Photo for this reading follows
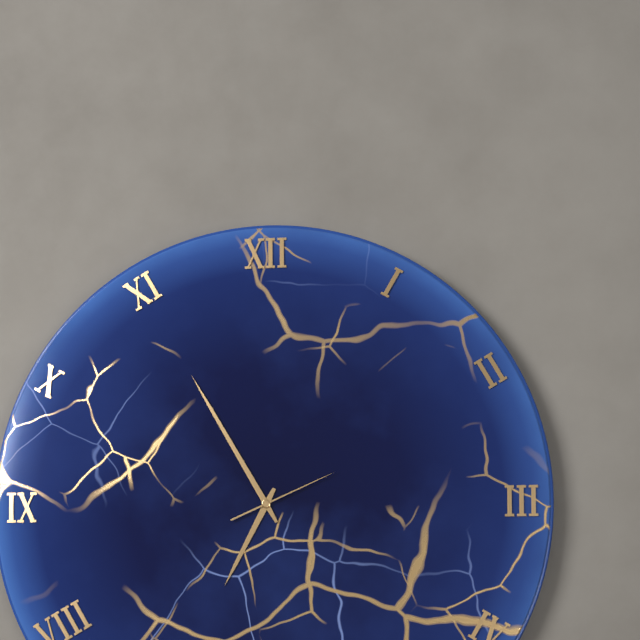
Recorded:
6.55.11
